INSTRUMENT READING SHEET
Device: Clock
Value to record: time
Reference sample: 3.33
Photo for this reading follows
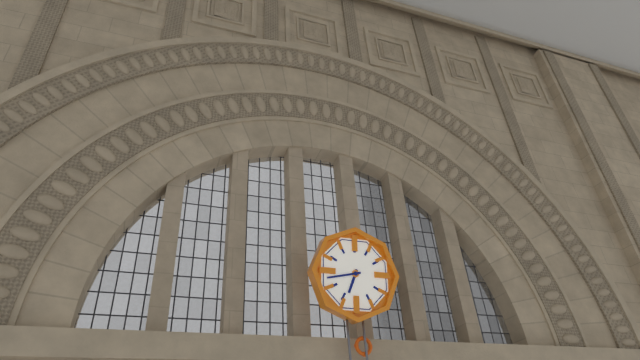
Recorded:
6.43
